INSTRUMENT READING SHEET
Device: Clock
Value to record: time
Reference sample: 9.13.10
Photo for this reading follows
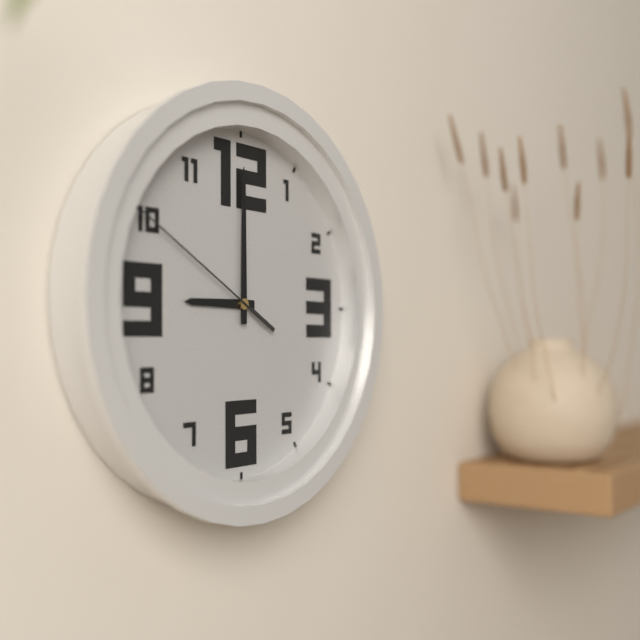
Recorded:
9.00.50
